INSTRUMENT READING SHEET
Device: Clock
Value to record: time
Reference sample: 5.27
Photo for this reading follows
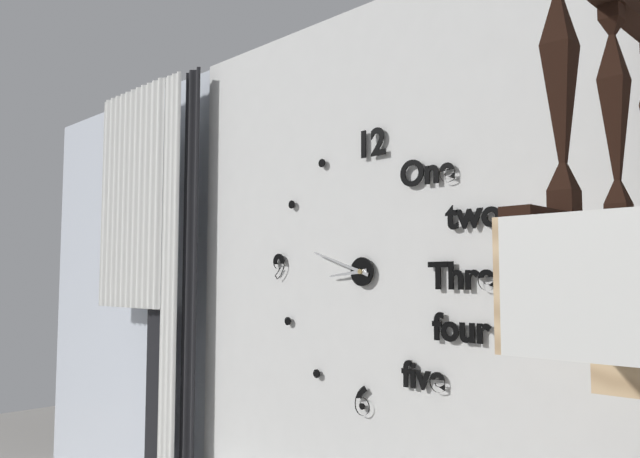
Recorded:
8.48
